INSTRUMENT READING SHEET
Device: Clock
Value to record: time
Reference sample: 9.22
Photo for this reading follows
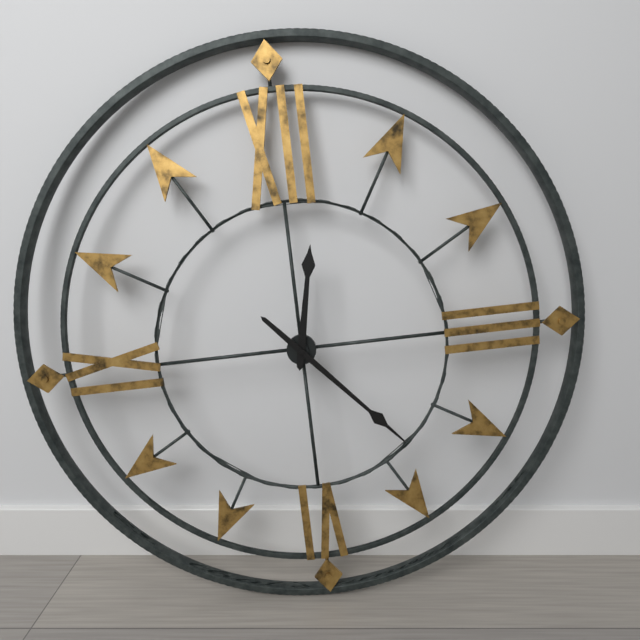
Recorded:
12.23
